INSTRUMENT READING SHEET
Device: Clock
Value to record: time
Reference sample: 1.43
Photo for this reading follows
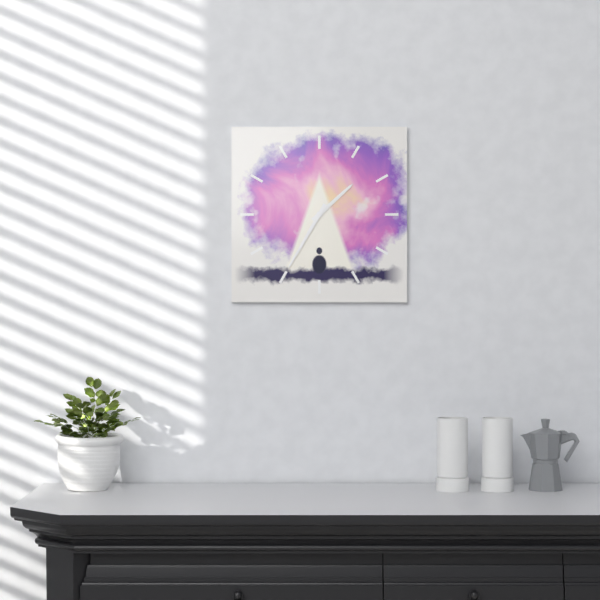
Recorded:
1.35
